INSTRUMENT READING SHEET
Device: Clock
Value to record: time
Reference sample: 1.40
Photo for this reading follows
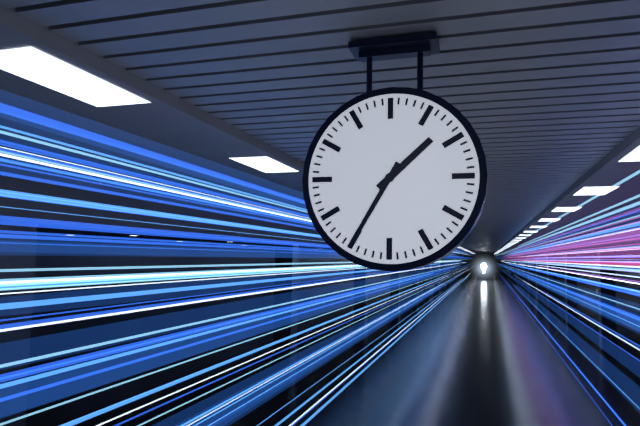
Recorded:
1.35
